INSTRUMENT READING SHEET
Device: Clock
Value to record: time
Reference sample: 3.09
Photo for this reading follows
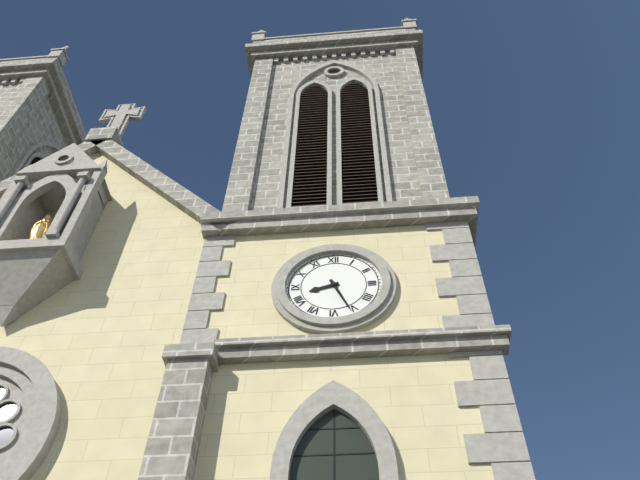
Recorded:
8.26
